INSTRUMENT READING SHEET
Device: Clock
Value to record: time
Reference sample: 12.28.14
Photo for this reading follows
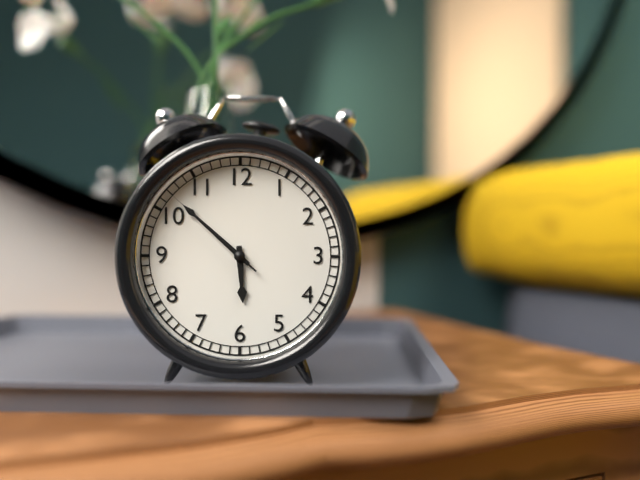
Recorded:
5.52.52
